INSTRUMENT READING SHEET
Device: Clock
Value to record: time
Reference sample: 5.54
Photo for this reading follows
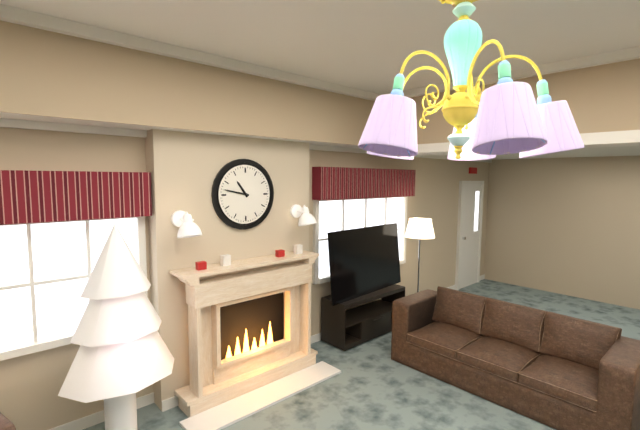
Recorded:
10.47
